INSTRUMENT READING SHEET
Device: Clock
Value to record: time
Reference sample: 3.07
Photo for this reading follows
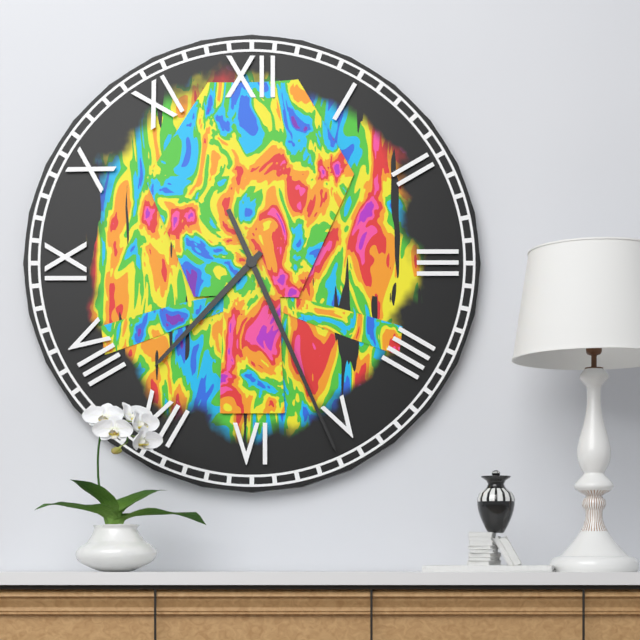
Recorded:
7.26
